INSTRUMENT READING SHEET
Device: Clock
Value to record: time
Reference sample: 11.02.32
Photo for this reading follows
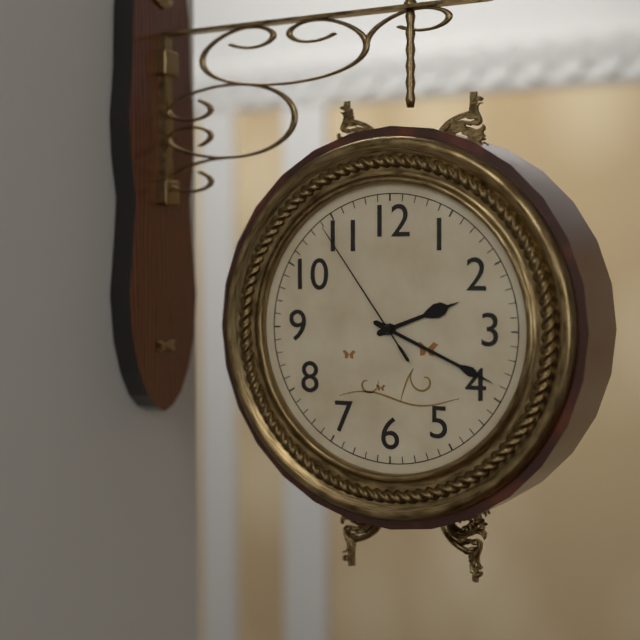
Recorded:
2.19.54
